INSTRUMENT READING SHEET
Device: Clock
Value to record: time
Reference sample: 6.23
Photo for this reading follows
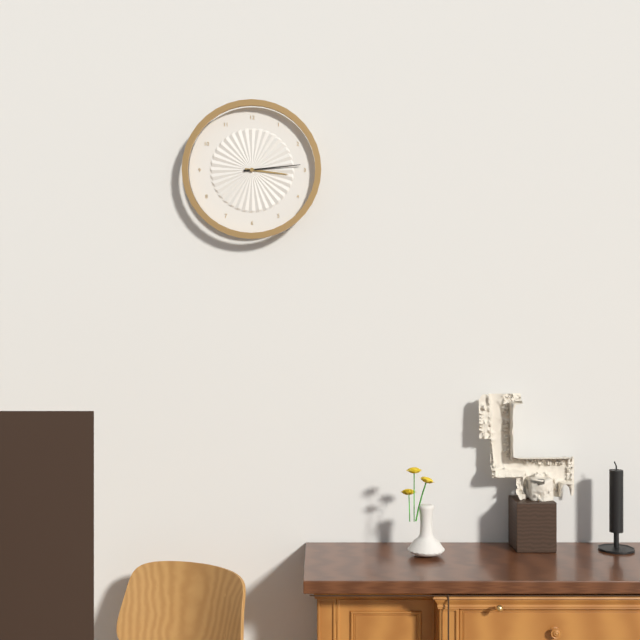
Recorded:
3.14
